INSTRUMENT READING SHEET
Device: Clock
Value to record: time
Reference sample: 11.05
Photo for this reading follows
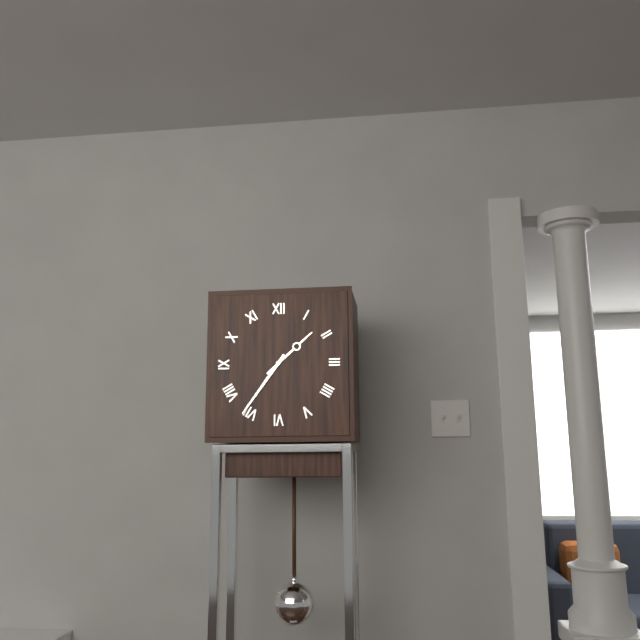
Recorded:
1.36
